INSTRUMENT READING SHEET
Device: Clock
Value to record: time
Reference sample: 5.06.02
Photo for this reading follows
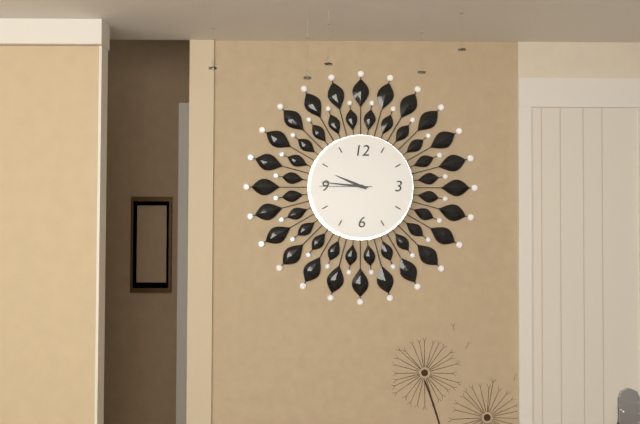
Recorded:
9.46.45
